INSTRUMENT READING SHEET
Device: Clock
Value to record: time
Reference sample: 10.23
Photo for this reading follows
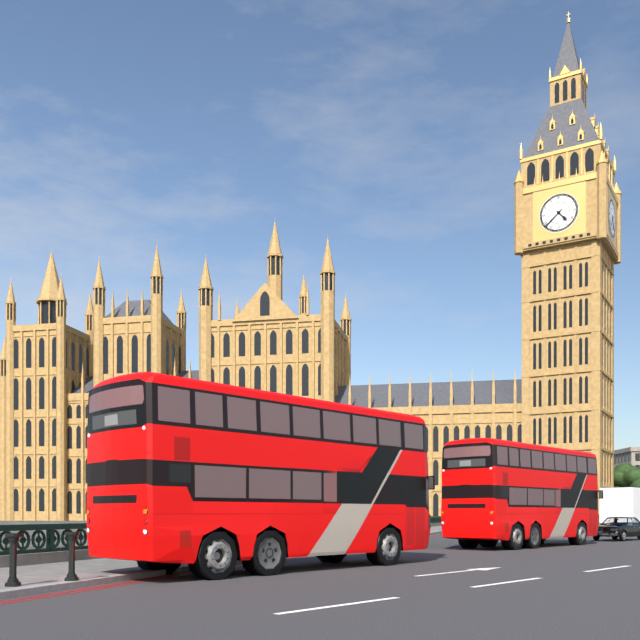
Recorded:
4.38
